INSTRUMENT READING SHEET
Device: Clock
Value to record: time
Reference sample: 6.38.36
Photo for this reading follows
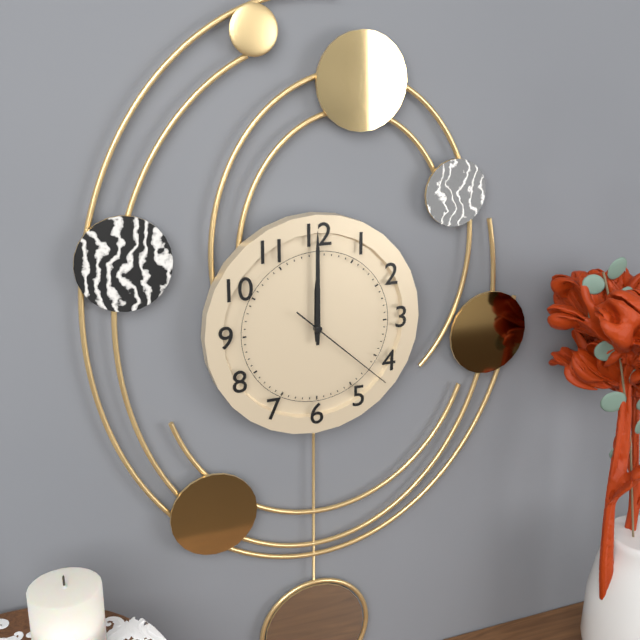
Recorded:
12.00.22
